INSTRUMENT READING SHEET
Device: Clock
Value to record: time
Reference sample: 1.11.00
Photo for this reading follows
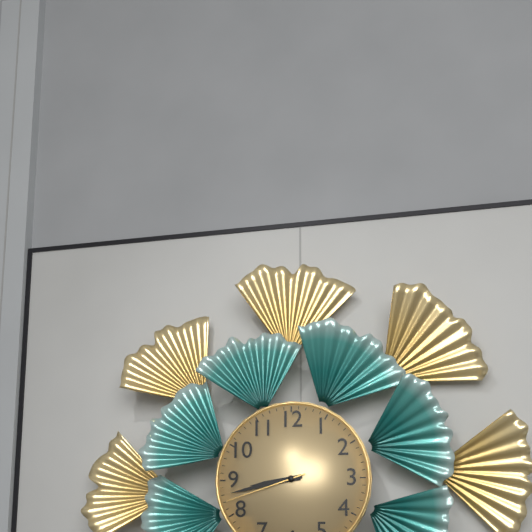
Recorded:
8.43.42
